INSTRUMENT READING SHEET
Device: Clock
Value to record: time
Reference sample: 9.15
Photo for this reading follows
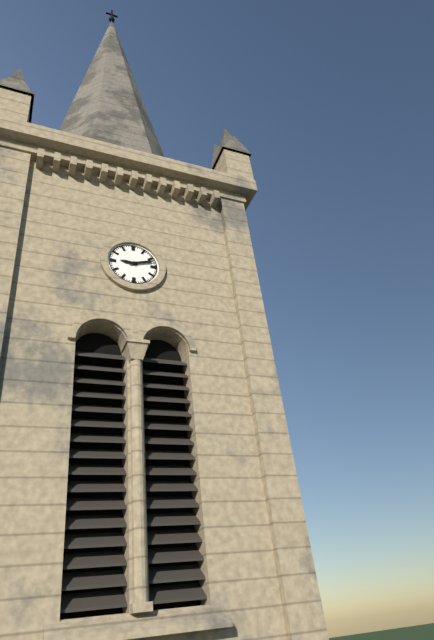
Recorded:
9.12
